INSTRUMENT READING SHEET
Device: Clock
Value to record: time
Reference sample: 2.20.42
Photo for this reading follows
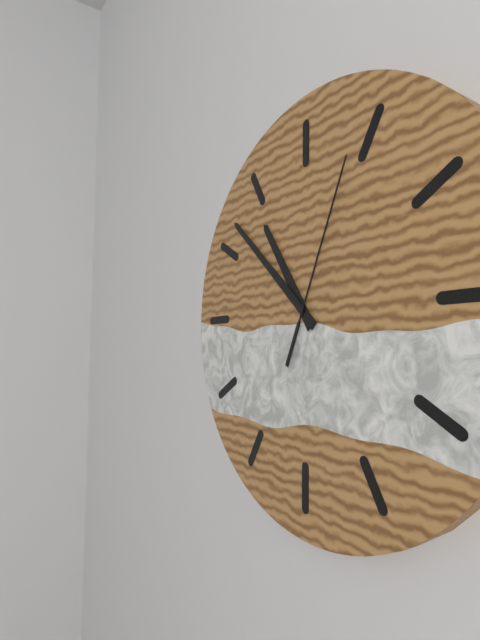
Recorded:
10.52.04
